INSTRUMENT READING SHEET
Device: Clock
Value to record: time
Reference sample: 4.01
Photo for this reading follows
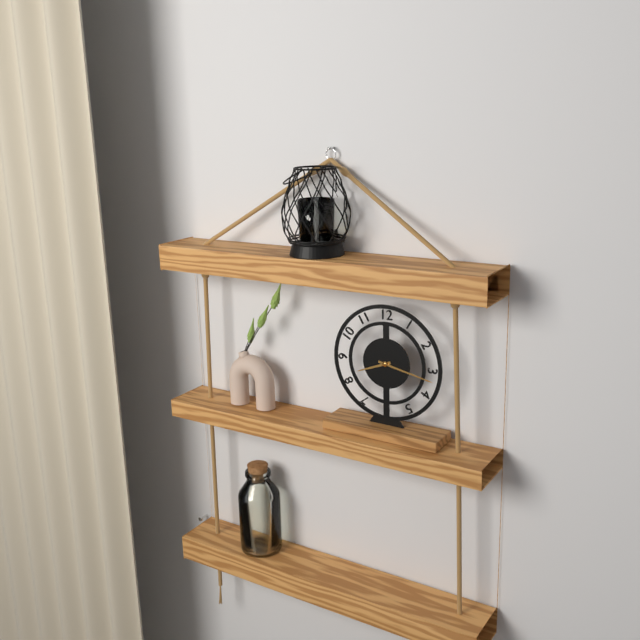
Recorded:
8.17
